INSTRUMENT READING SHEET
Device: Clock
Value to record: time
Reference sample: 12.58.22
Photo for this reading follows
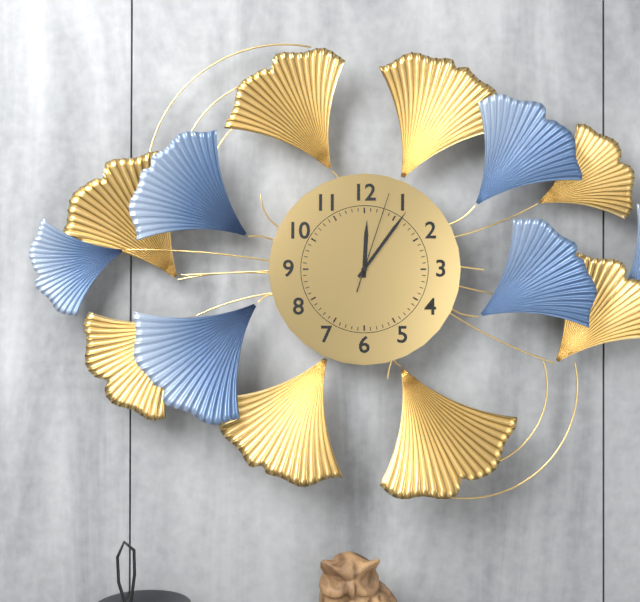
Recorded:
12.06.03
